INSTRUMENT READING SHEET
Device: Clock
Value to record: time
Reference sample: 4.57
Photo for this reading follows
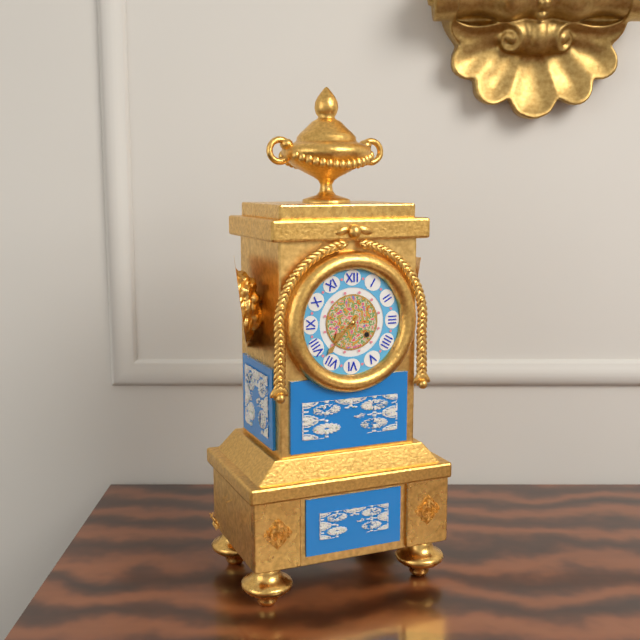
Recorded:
7.37
